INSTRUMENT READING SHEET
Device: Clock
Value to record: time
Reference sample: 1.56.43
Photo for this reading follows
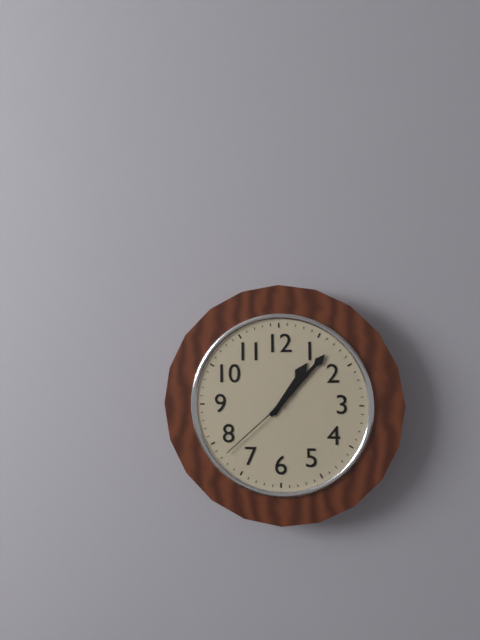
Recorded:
1.07.38
